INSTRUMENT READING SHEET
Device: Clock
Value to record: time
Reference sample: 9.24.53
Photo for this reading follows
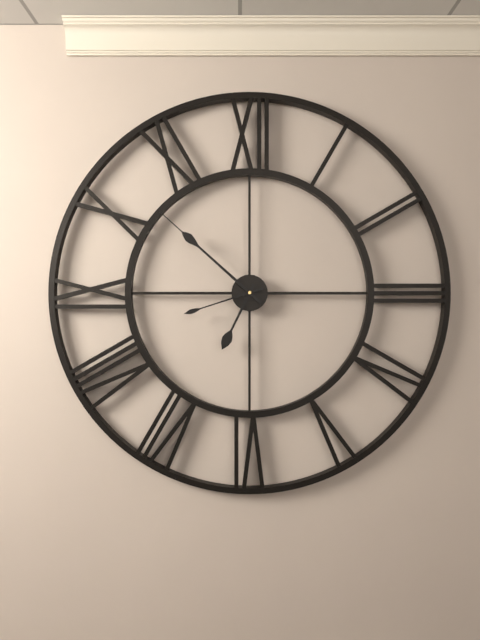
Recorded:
6.52.42
